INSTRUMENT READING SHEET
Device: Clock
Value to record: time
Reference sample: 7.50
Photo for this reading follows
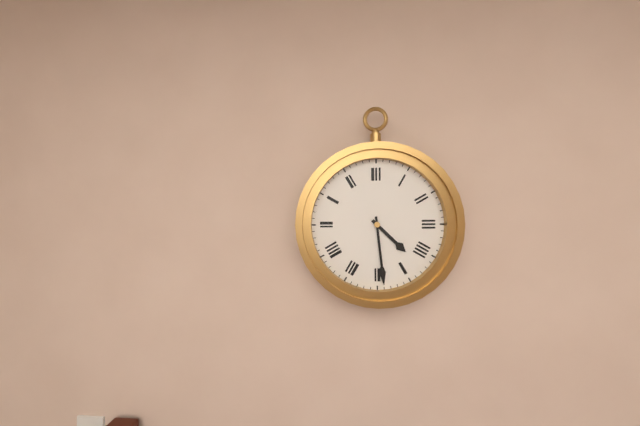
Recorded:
4.29
